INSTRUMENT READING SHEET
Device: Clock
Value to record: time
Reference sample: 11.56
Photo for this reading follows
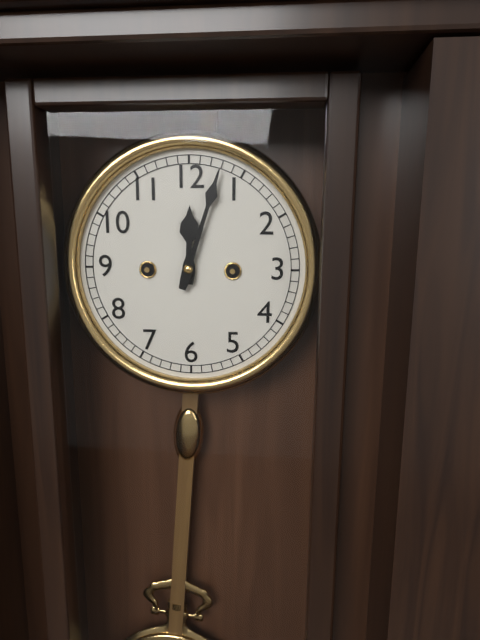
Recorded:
12.03
